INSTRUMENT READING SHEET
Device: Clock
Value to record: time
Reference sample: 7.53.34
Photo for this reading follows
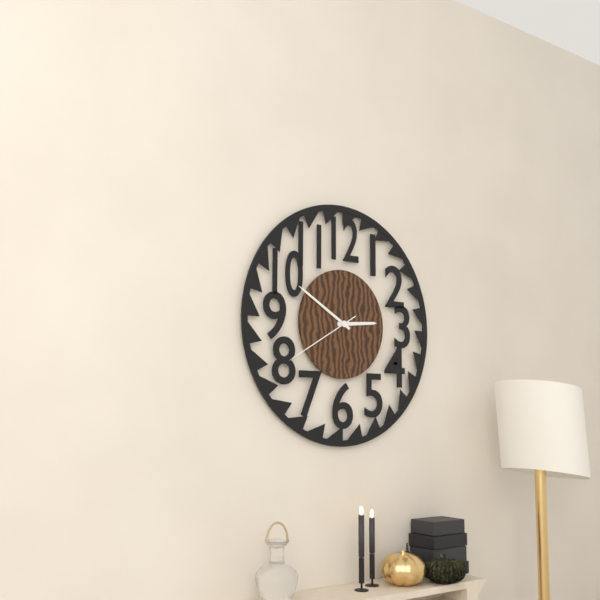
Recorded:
2.50.40
